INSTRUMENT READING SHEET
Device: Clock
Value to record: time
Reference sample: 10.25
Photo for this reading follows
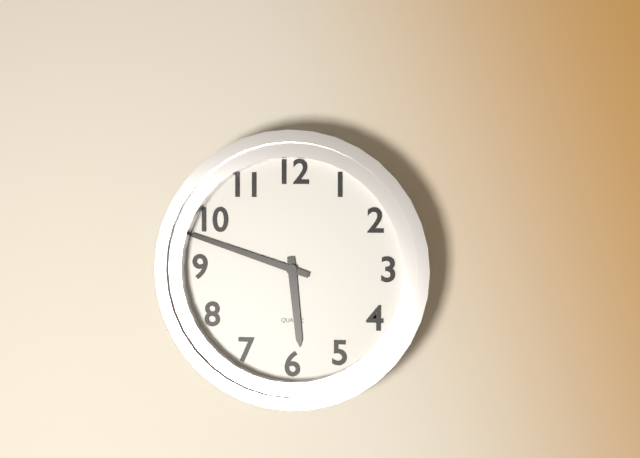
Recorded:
5.48
